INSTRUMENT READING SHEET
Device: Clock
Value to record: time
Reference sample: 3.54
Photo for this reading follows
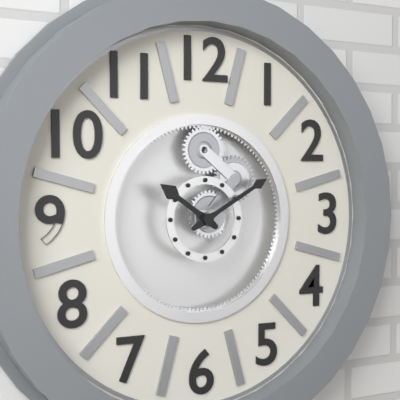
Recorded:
10.10
